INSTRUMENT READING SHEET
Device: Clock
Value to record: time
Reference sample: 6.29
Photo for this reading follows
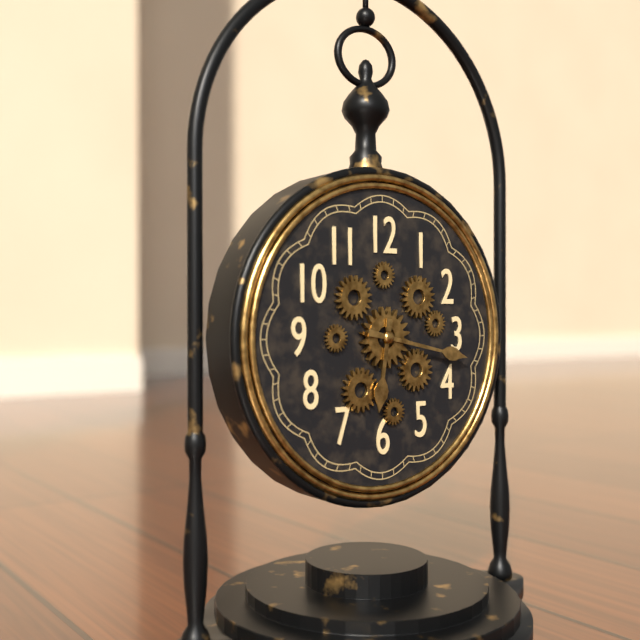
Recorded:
6.17
